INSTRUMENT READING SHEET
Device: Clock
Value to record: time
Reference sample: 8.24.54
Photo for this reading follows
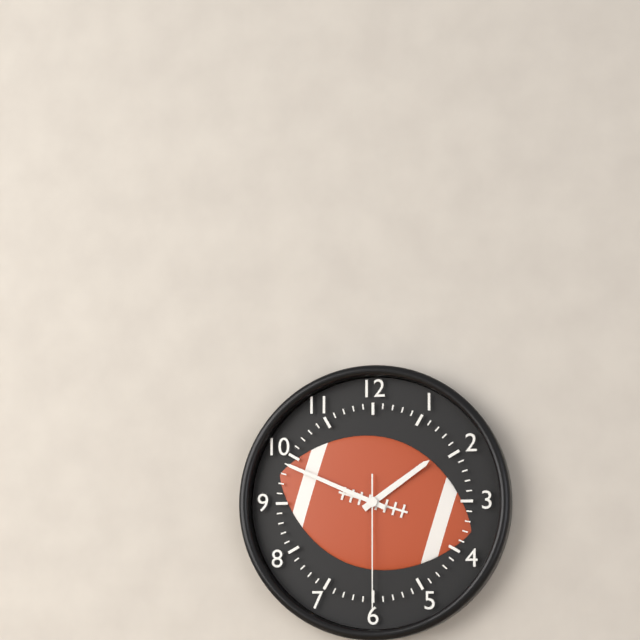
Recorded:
1.49.30
